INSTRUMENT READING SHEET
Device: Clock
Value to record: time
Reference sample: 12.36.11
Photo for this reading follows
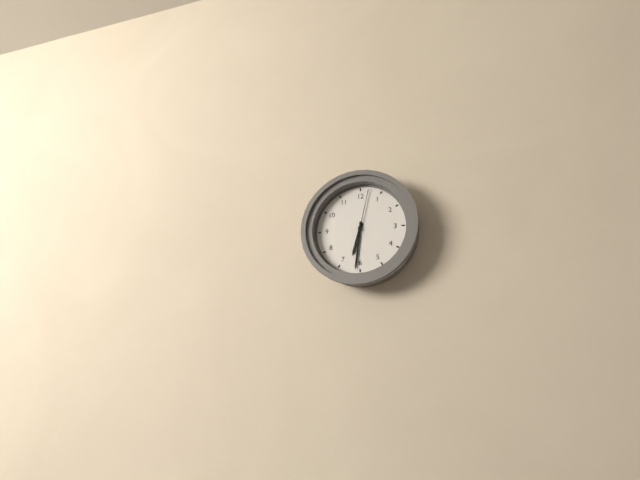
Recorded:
6.31.02
